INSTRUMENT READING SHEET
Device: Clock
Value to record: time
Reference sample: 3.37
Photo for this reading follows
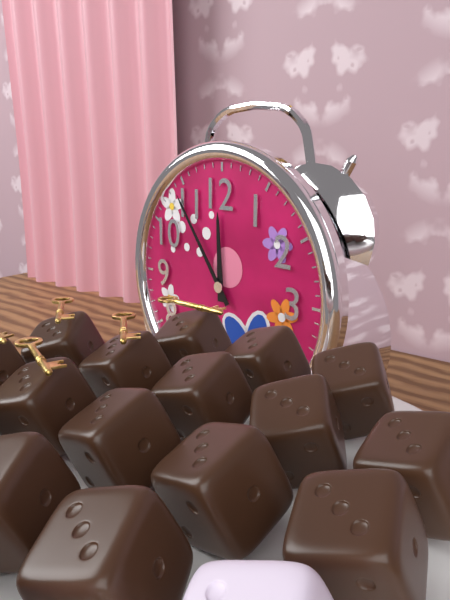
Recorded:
11.54
